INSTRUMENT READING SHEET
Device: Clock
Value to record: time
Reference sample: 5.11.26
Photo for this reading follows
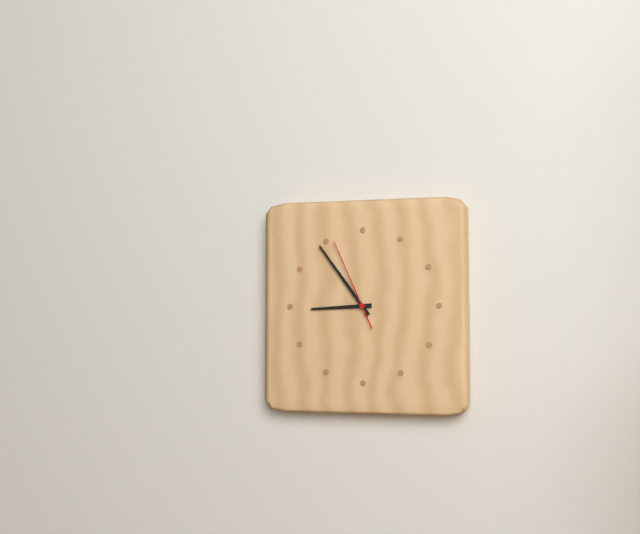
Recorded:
8.54.56
